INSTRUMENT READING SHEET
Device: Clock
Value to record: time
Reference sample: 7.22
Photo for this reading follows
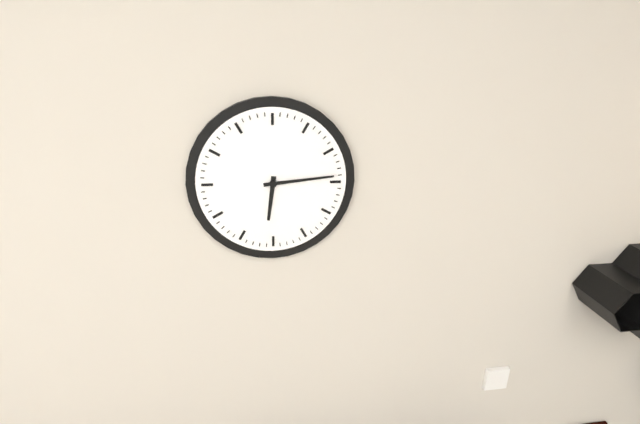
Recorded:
6.14
